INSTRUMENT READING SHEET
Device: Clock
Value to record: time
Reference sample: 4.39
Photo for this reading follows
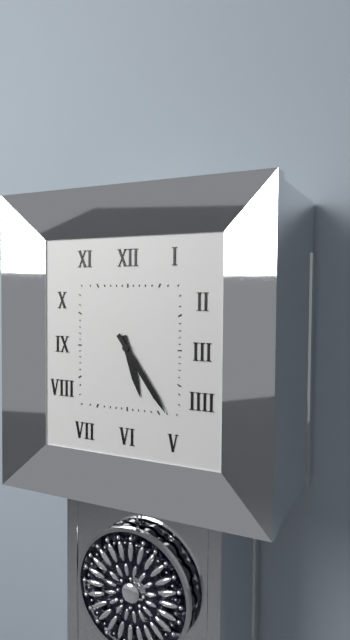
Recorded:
5.24
